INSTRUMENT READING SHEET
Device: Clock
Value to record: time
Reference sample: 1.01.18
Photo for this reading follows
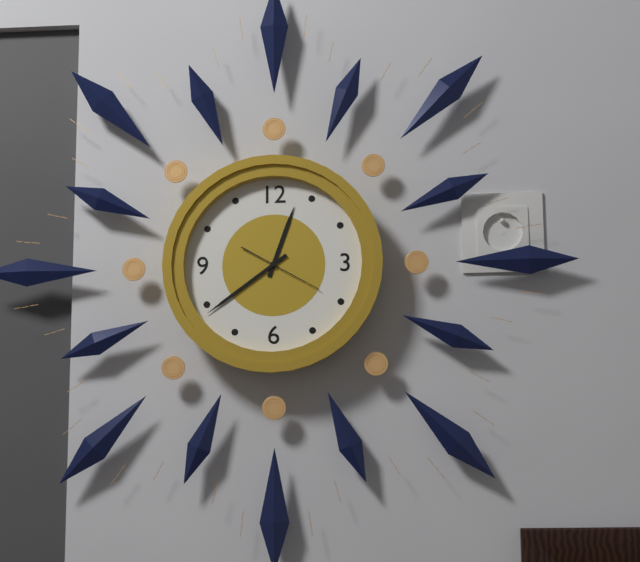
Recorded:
12.39.20
